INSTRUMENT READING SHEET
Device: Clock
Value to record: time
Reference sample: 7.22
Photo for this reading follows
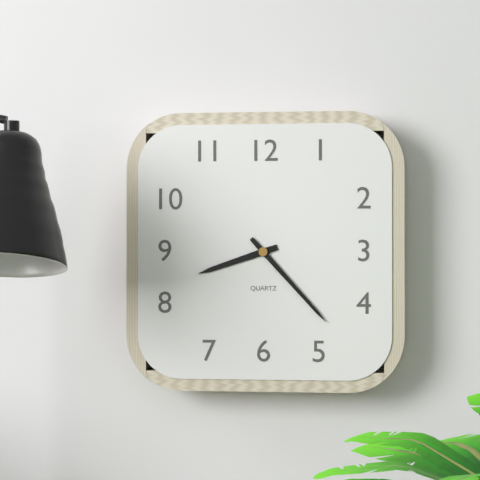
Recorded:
8.23
